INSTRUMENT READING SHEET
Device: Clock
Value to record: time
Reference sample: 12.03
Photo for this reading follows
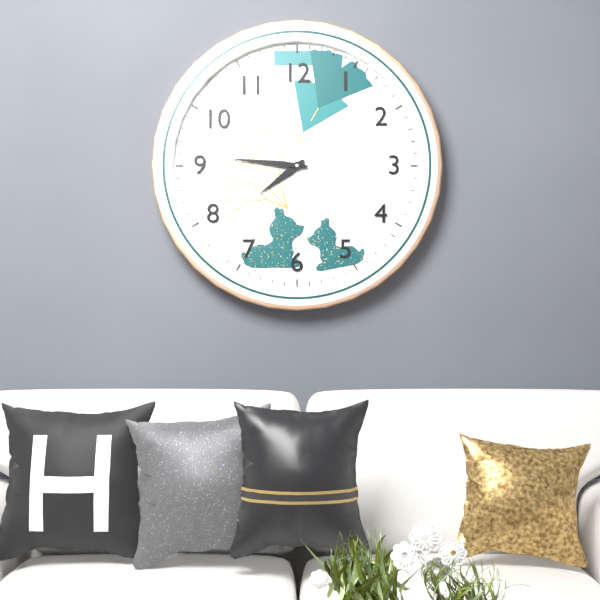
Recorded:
7.46
